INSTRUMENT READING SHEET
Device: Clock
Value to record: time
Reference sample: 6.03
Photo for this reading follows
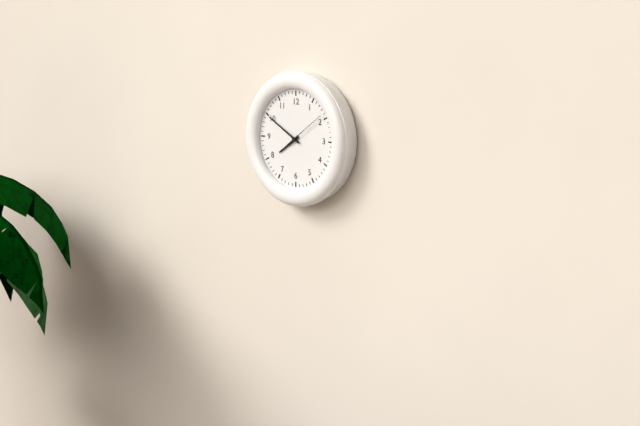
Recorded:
7.50
